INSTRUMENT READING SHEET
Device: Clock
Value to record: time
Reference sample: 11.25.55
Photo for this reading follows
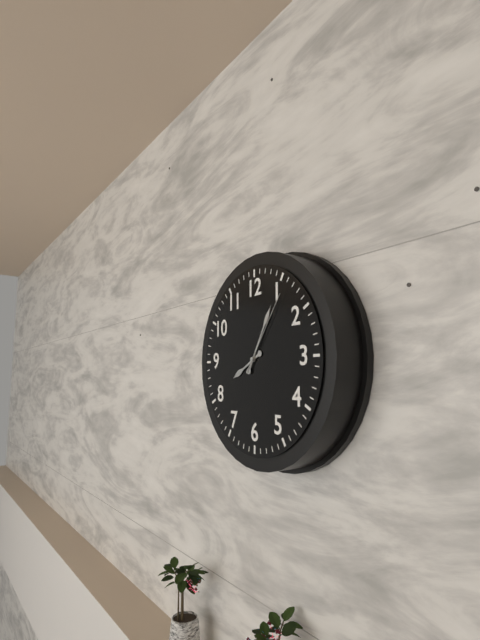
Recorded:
8.05.06
